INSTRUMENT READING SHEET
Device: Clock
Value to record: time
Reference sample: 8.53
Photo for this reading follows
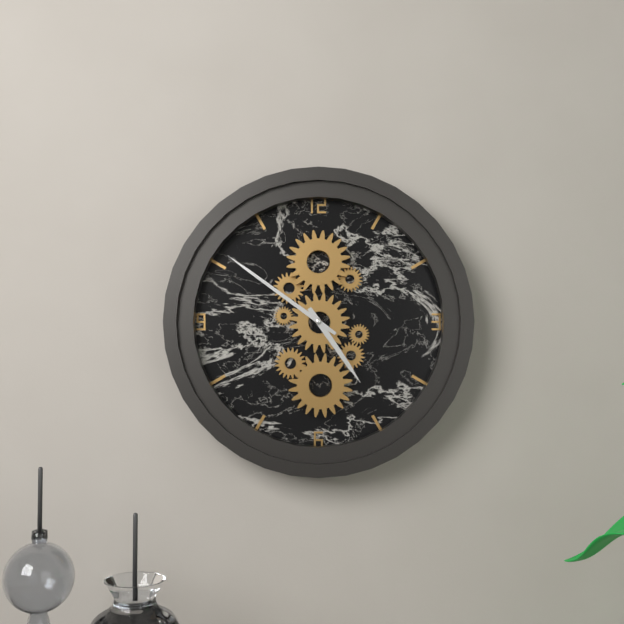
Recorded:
4.51
